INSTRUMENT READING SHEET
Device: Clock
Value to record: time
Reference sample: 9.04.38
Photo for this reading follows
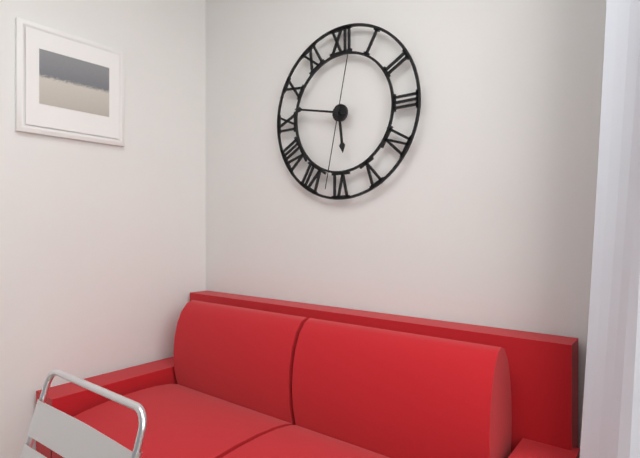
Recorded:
5.47.32
